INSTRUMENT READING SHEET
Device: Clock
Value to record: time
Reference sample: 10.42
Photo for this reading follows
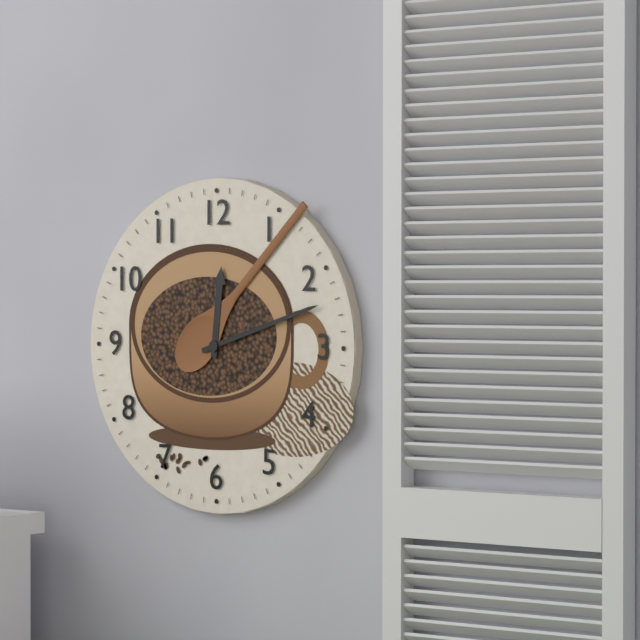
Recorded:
12.12
